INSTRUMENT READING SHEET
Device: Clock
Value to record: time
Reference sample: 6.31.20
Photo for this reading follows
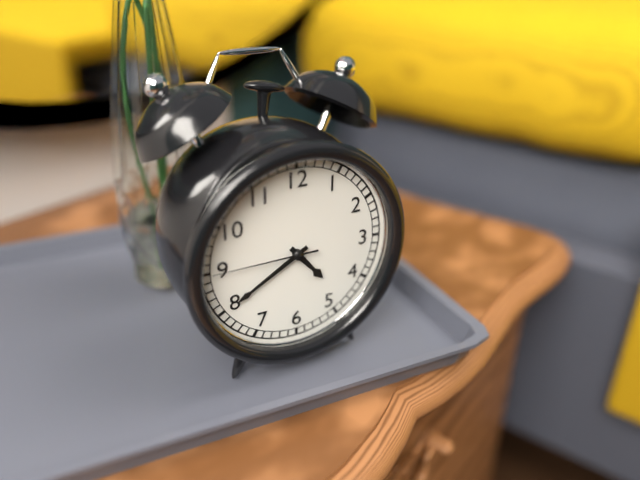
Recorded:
4.40.45
